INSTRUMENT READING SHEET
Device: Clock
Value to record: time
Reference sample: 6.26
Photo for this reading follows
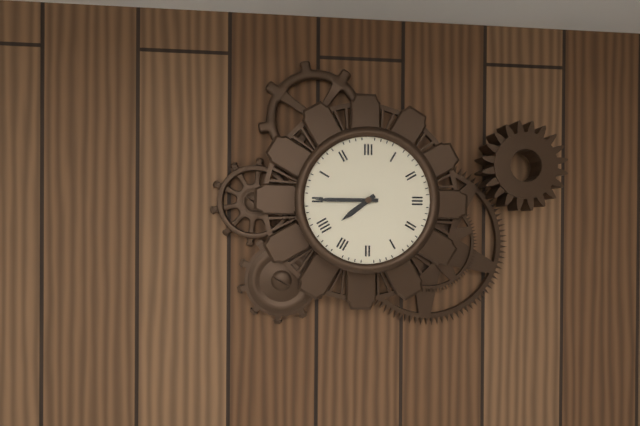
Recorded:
7.45
